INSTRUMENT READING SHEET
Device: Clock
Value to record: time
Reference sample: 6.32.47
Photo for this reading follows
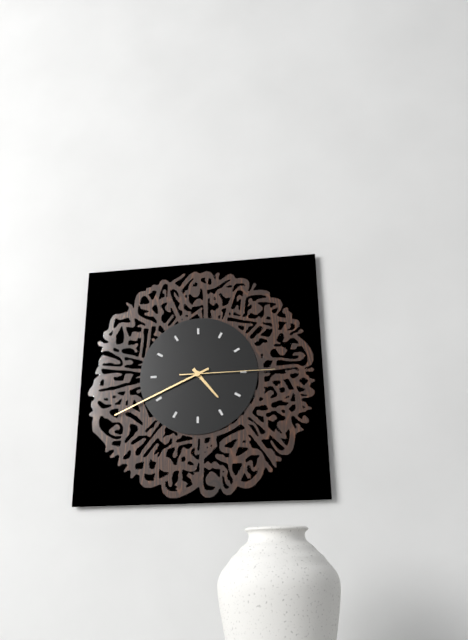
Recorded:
4.41.15
